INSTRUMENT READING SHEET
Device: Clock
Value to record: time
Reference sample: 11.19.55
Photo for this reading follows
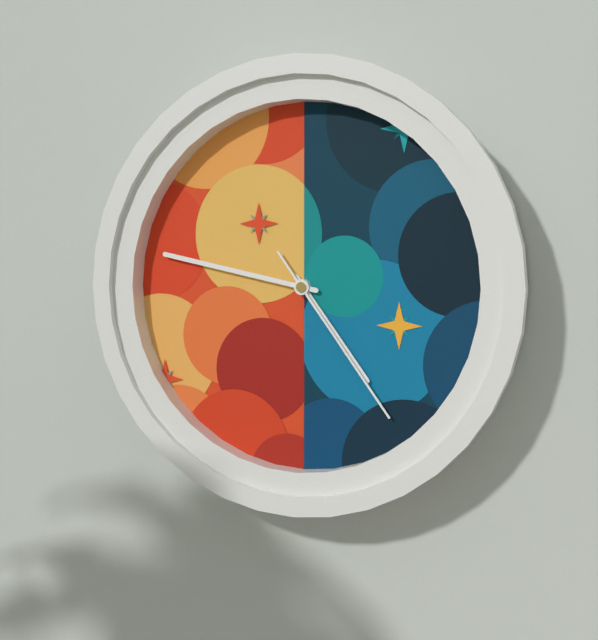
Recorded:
4.47.24
